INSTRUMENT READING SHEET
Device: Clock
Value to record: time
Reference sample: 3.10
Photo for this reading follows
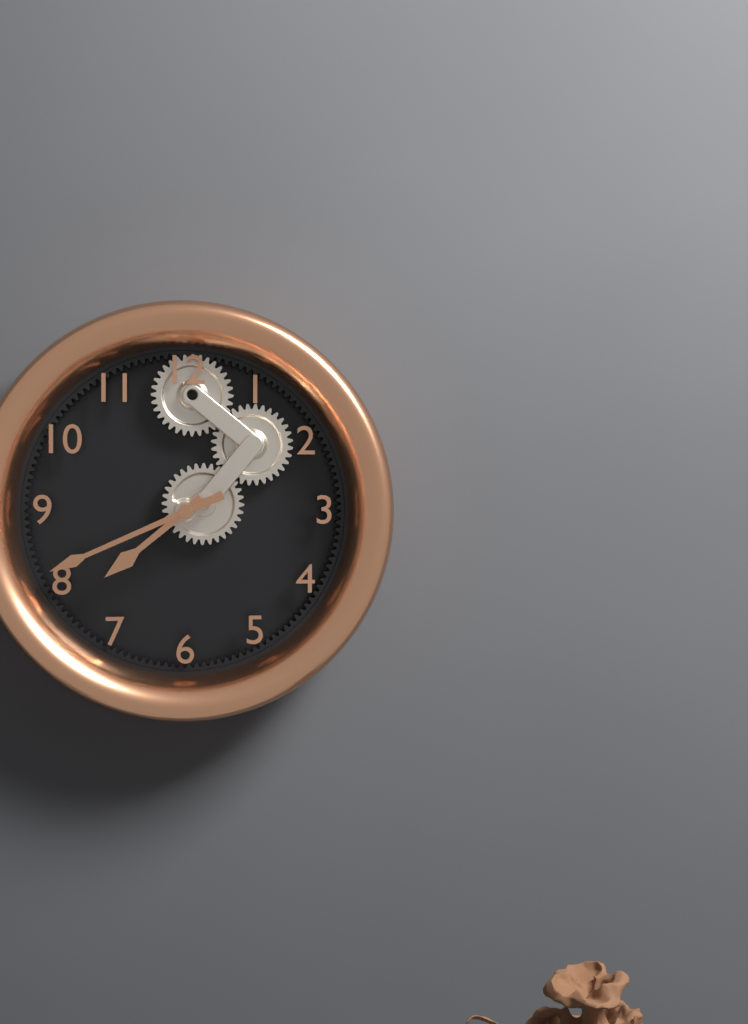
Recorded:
7.41
